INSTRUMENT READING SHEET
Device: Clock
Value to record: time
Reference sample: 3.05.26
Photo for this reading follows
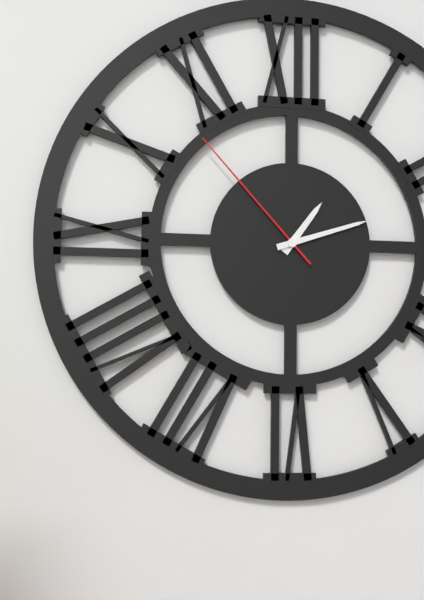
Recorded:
1.12.53
